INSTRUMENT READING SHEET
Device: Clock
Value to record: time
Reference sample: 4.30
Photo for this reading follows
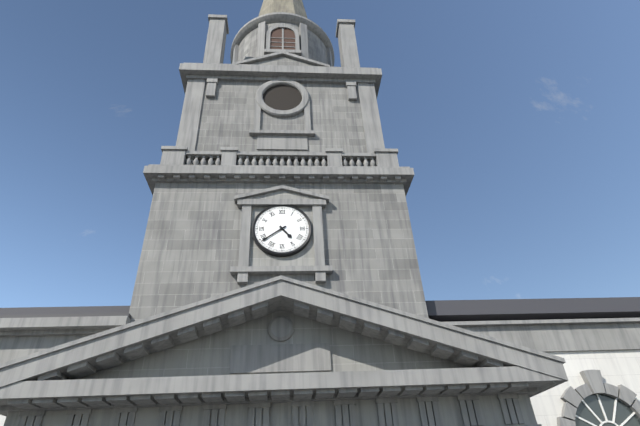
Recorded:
4.39
